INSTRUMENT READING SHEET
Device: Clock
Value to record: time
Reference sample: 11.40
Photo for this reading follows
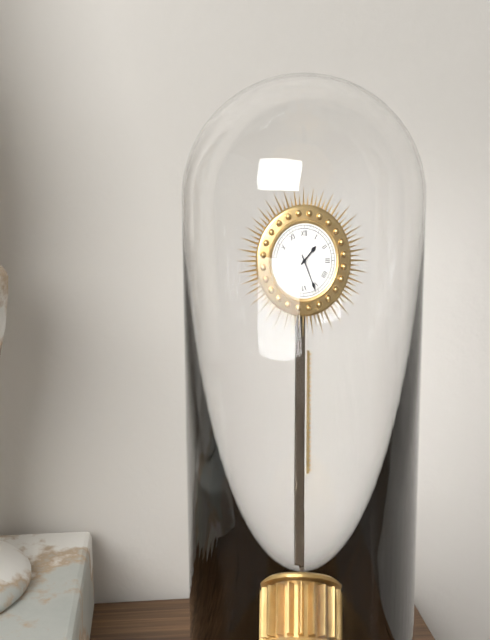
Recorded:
1.26
